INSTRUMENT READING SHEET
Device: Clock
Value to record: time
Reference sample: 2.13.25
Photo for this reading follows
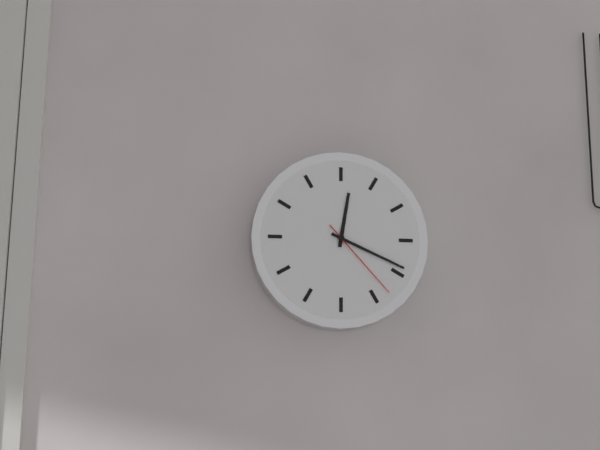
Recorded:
12.19.23
